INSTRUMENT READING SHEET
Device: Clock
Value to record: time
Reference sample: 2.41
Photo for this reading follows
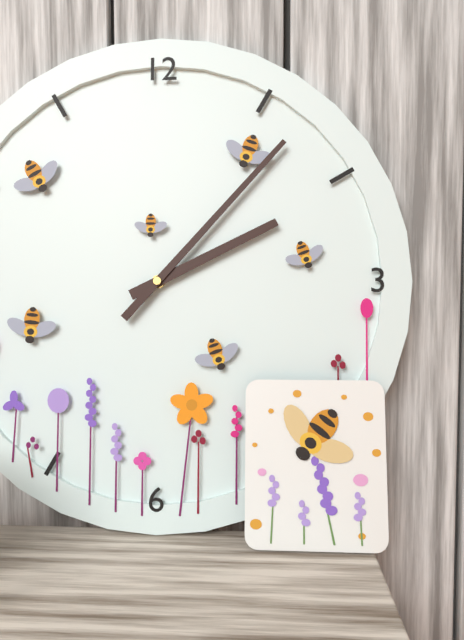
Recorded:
2.07
